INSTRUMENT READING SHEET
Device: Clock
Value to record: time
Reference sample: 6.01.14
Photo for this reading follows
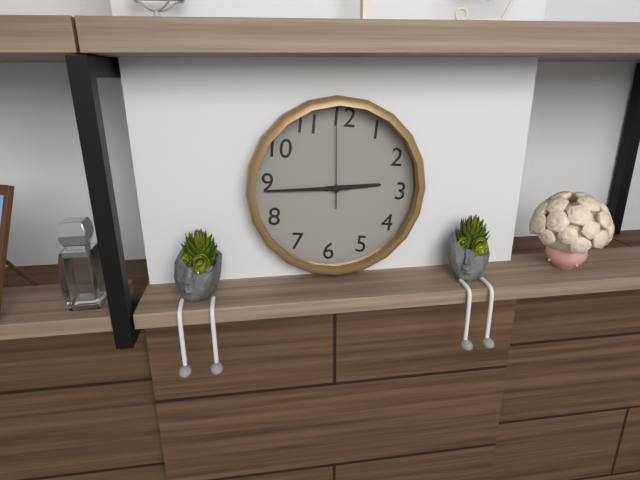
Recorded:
2.44.59
